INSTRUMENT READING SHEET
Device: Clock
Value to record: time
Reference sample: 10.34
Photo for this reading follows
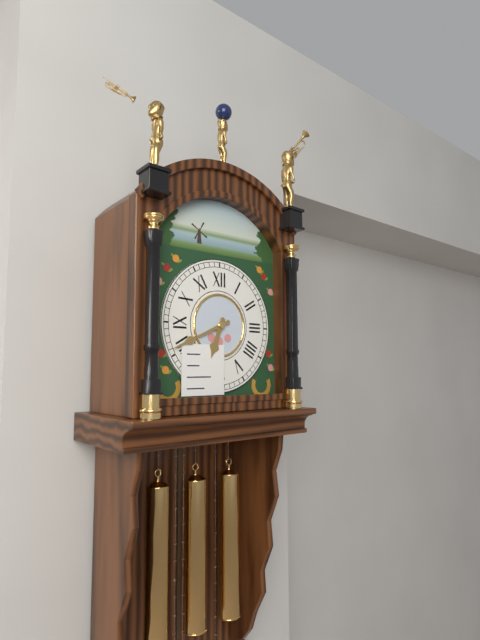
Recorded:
6.41
